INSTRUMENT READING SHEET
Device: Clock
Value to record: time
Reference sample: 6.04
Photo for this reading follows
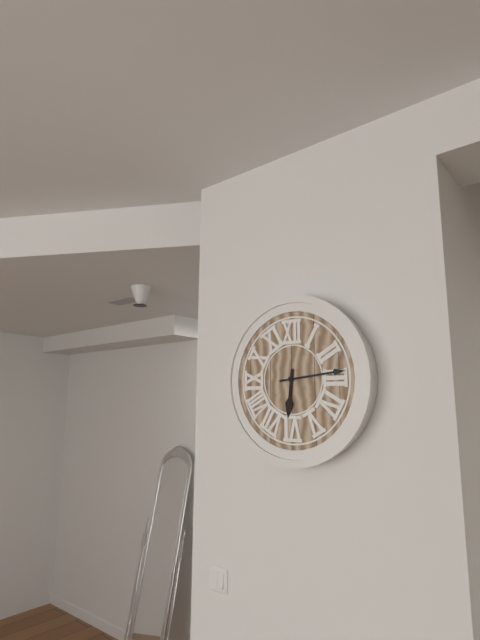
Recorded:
6.14
